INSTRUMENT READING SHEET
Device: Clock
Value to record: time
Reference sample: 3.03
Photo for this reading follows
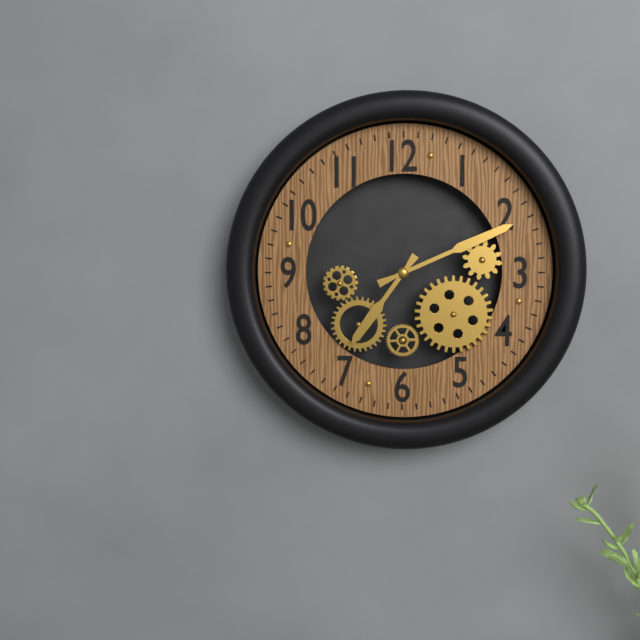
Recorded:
7.11
